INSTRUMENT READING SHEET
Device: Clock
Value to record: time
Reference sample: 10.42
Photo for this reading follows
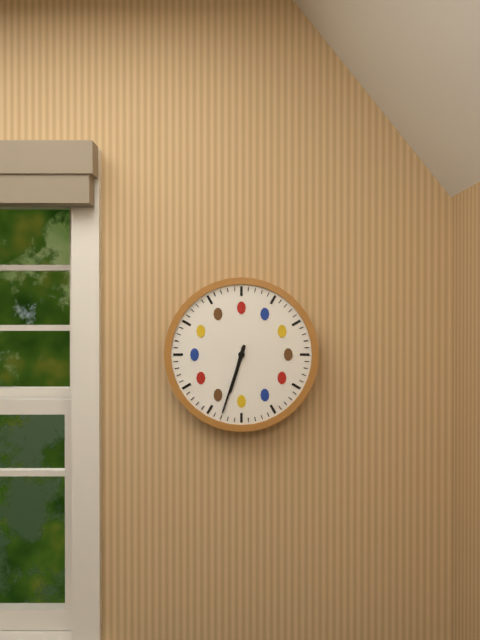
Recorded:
6.33
